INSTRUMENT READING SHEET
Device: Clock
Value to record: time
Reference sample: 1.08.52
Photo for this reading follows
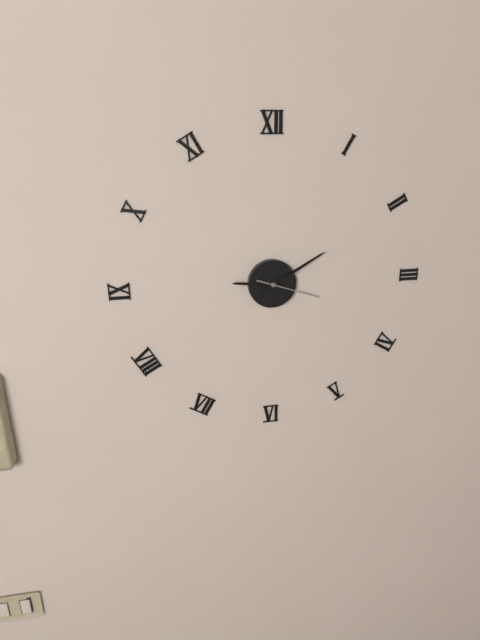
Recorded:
9.10.18
